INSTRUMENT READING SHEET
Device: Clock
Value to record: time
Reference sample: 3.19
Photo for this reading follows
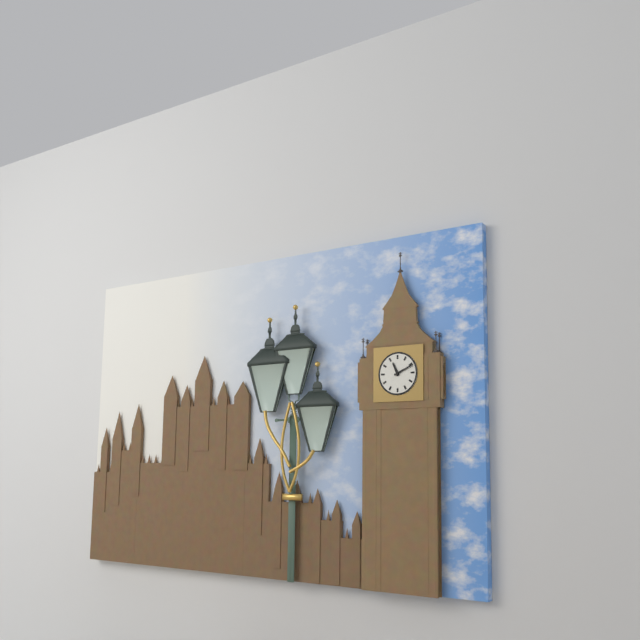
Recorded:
11.11
